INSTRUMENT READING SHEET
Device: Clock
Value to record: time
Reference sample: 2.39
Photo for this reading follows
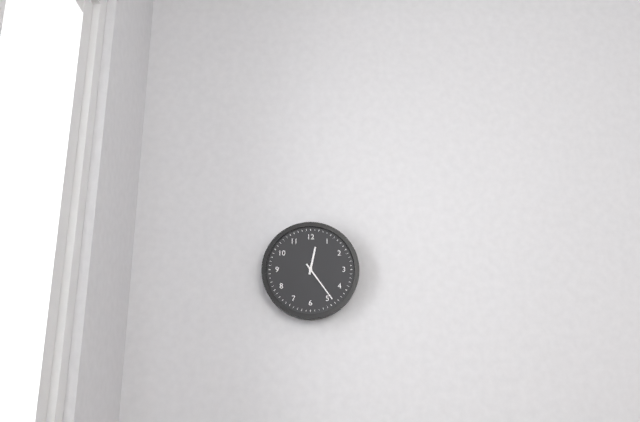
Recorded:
12.24
